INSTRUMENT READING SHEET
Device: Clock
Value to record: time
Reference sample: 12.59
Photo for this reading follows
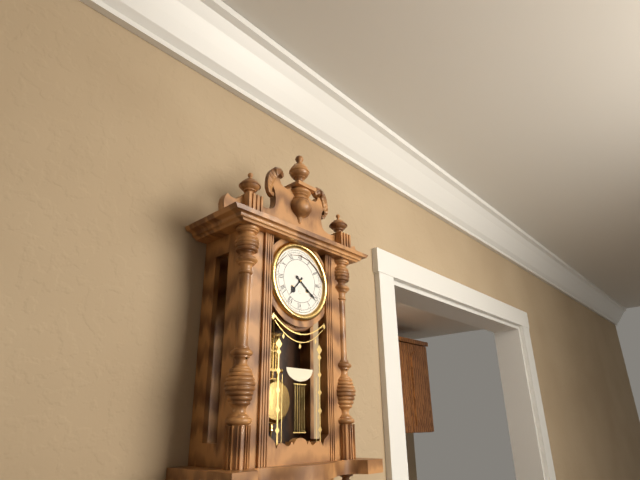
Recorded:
7.21
